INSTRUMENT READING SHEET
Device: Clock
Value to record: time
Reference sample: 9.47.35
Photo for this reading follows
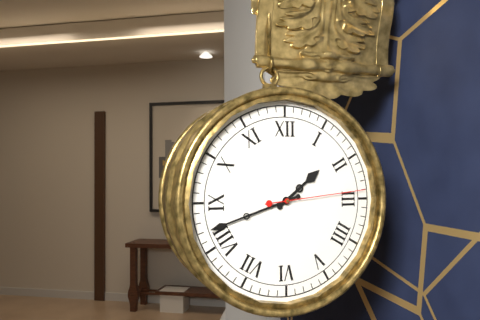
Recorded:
1.42.14
